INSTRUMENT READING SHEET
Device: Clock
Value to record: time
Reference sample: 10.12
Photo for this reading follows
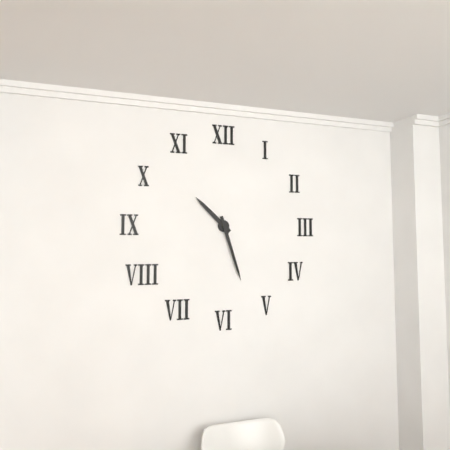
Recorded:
10.27
